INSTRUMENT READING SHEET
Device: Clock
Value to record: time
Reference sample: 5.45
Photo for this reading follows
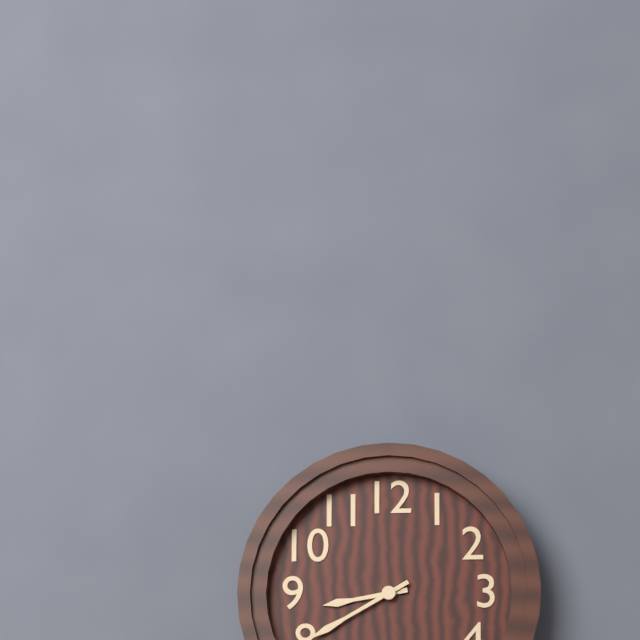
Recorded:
8.40
